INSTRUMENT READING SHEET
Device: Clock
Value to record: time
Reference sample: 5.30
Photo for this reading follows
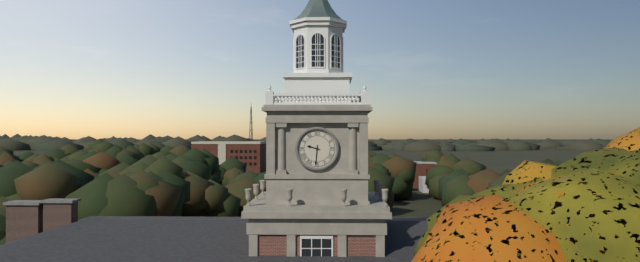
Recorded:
9.31
